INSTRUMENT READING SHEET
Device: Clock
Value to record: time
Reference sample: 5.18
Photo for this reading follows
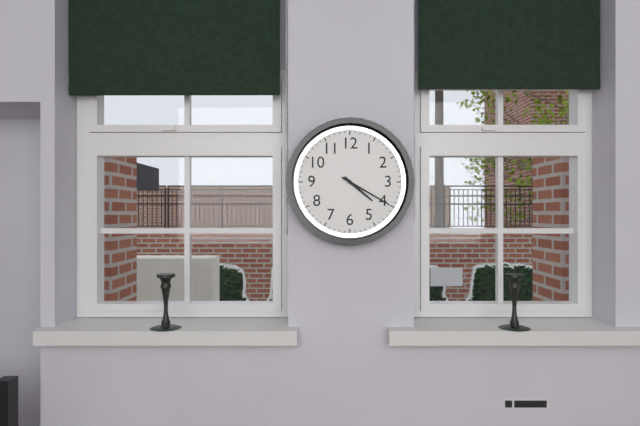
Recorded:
4.20
